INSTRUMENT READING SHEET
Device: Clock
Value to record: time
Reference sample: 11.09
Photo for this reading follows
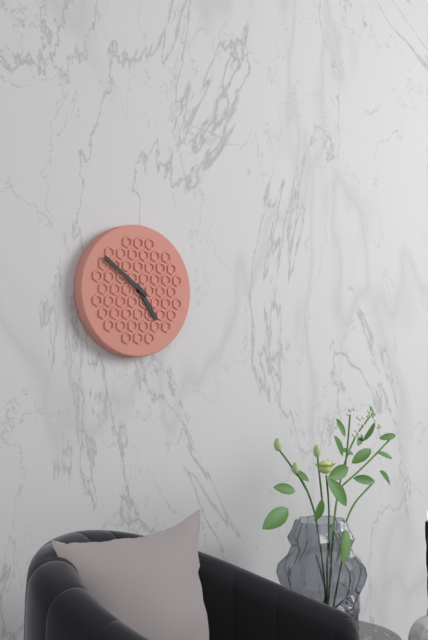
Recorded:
4.51
